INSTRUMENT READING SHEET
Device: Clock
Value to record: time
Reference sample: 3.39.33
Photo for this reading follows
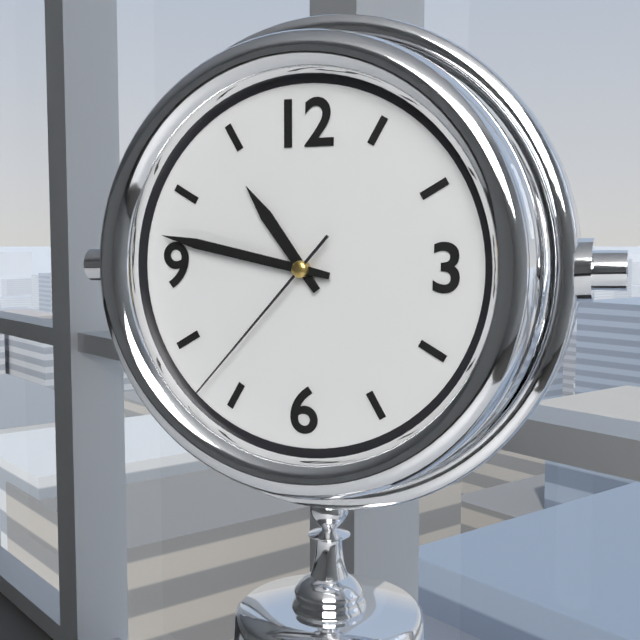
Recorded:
10.47.37
